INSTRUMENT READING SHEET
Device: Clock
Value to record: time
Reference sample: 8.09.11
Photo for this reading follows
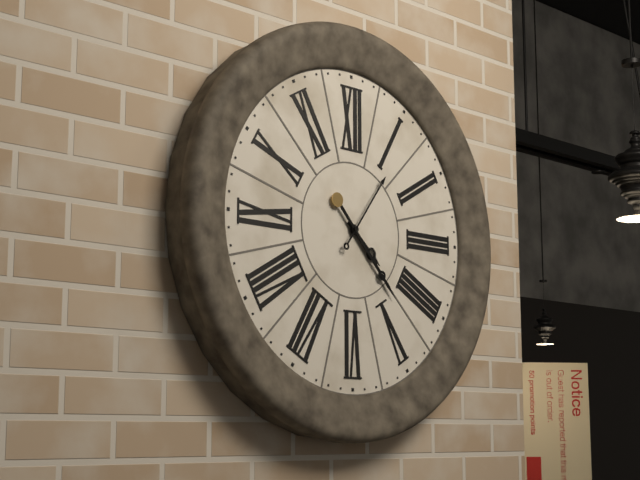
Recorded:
4.23.06
